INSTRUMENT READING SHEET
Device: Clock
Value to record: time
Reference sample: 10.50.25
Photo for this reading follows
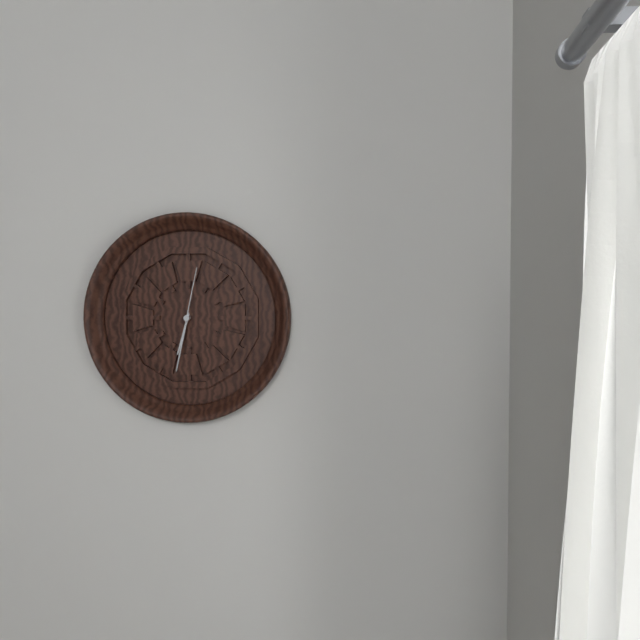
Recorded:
6.32.02
